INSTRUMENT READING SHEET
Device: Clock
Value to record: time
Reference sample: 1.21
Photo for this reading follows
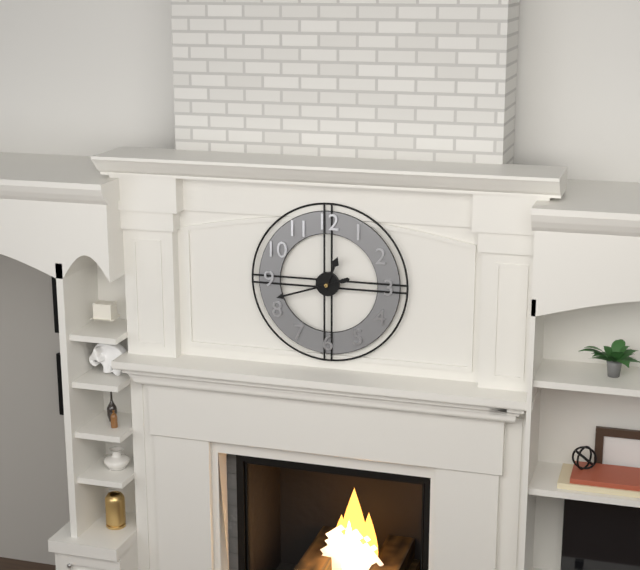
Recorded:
12.42
